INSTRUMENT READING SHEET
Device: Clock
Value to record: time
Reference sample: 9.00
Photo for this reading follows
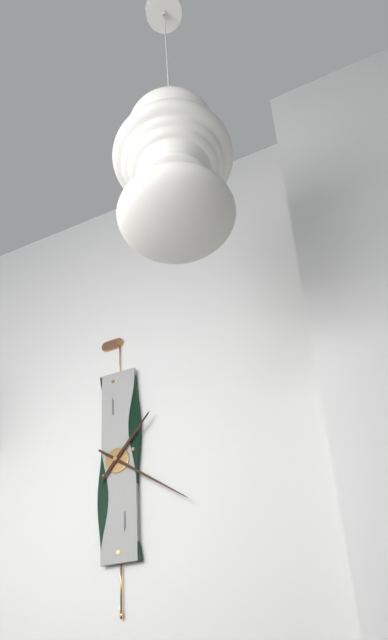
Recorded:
1.21
